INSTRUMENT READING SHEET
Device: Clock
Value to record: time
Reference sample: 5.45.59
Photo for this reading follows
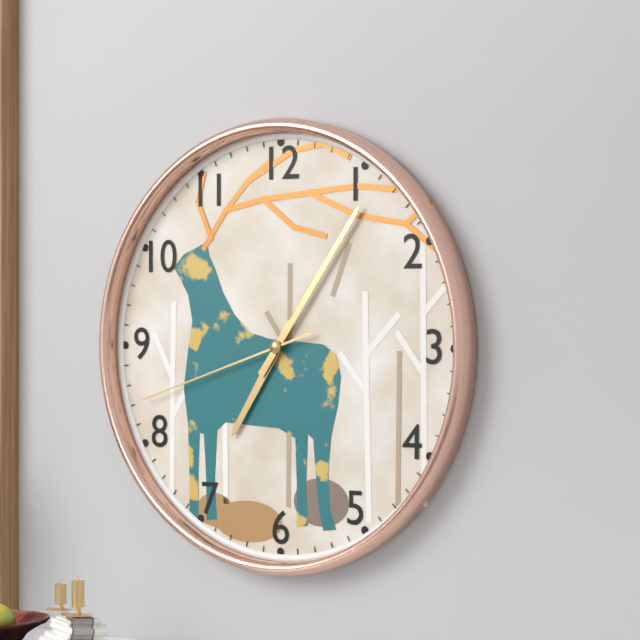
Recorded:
7.06.42
